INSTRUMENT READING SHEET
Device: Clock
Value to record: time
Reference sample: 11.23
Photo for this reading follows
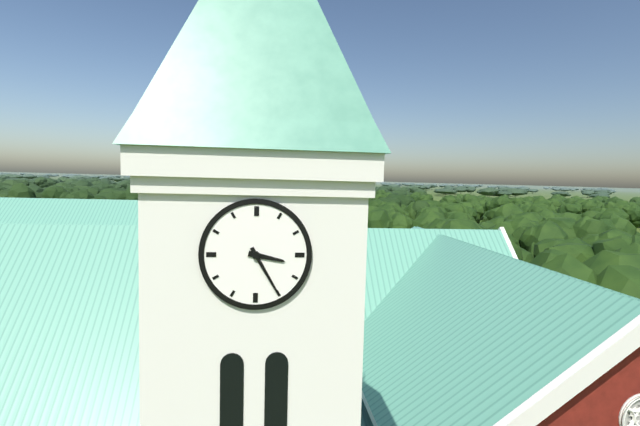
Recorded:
3.25
